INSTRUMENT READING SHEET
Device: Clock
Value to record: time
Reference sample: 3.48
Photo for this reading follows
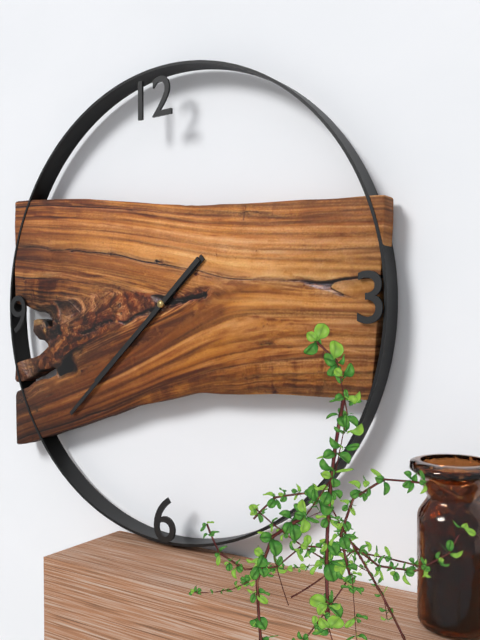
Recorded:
7.38
